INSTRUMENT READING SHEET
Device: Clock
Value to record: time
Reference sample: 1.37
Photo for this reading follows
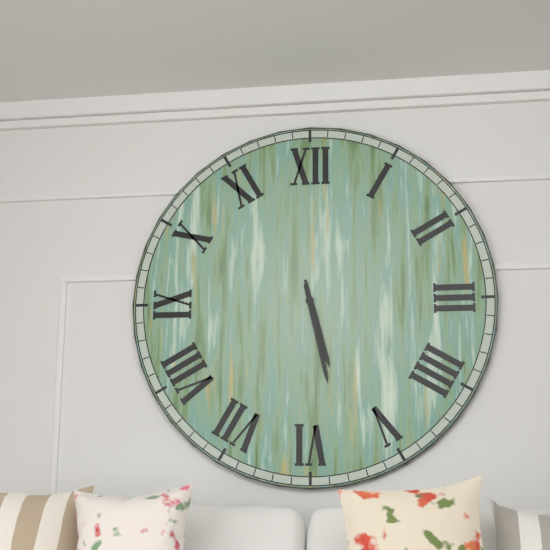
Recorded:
5.28
